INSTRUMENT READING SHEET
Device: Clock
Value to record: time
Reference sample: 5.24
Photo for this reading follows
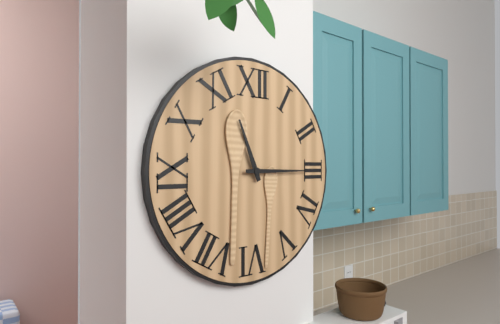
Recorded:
11.15
